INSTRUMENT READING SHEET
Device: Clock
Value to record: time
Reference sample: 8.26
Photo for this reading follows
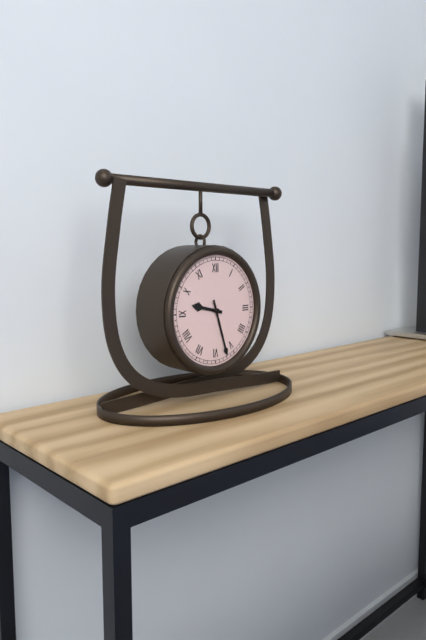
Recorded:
9.27
